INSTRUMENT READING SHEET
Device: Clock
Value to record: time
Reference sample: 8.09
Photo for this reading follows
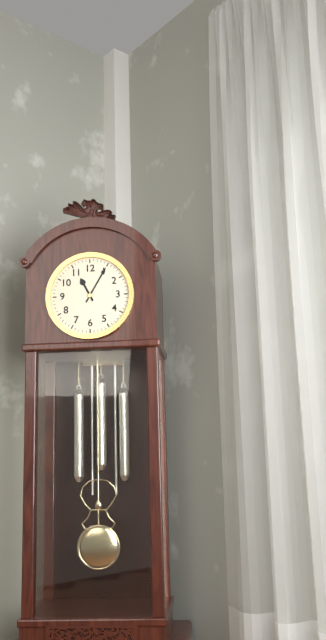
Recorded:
11.05
